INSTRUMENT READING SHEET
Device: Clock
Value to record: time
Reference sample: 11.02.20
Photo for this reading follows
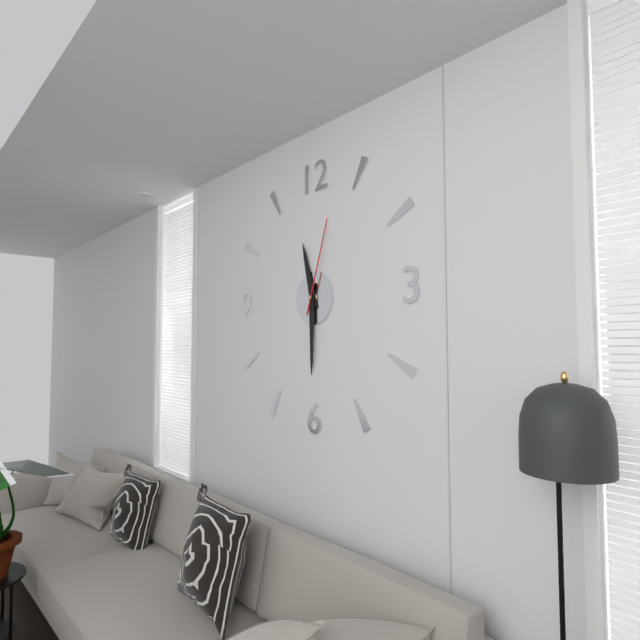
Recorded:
11.30.03
